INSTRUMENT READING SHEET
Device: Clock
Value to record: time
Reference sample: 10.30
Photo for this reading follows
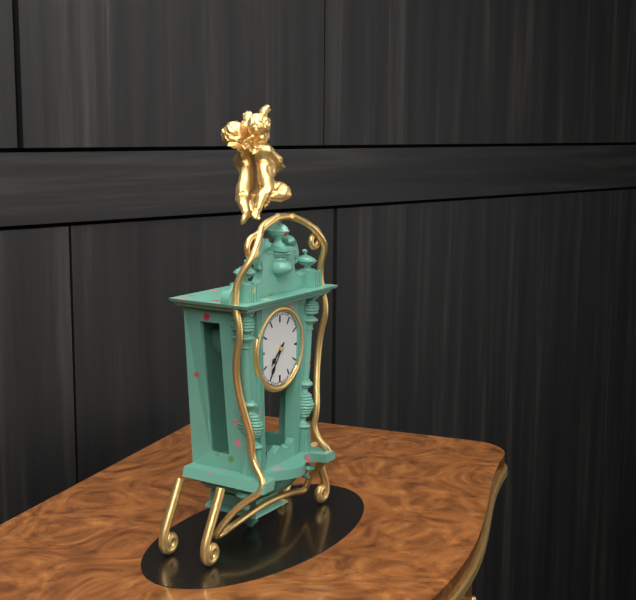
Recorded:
7.36
